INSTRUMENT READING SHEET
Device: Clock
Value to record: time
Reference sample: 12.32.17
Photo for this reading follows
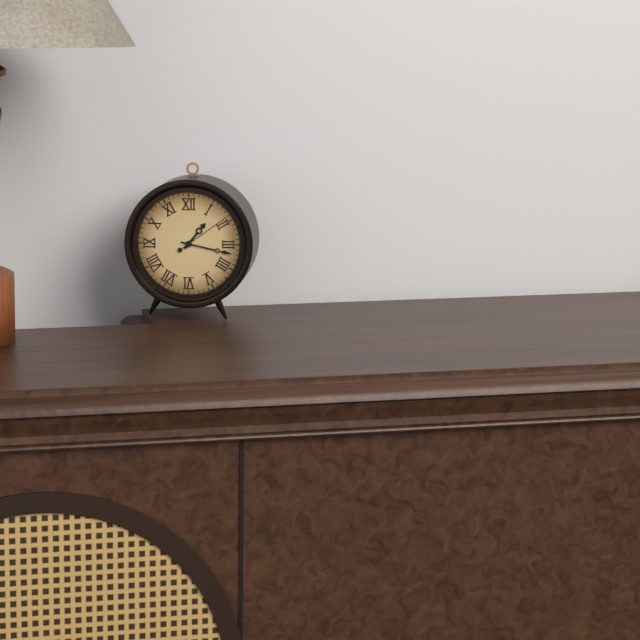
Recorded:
1.17.09
